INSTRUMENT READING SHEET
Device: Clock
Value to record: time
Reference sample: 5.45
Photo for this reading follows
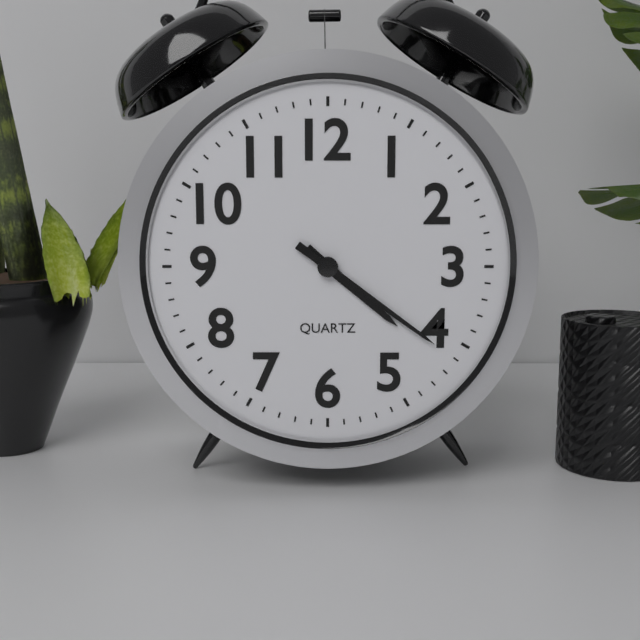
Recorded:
4.21
